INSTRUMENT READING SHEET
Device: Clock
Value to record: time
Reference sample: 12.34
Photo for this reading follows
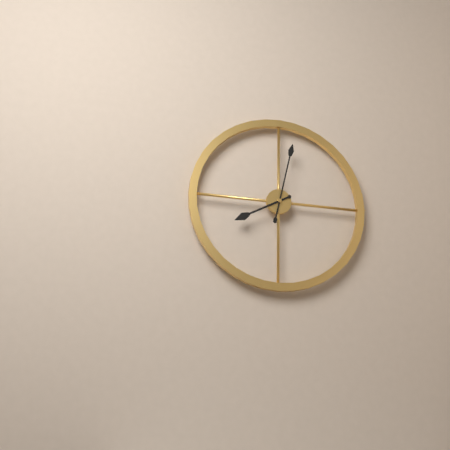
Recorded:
8.02
